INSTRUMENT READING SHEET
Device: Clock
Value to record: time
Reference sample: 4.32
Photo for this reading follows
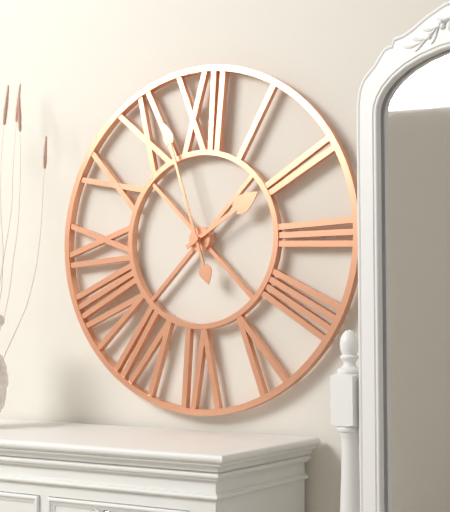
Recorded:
1.57
